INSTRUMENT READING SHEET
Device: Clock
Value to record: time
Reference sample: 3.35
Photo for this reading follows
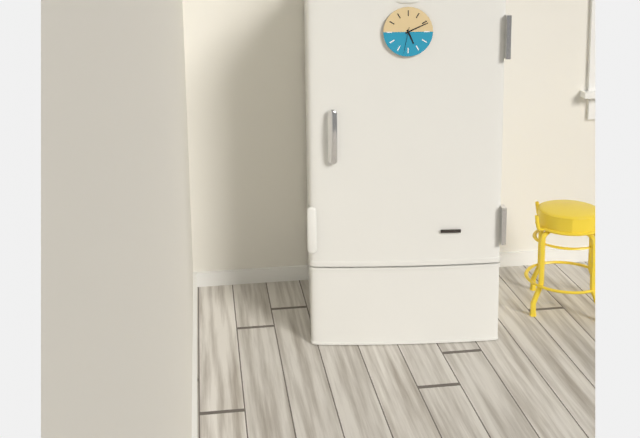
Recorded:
5.11
